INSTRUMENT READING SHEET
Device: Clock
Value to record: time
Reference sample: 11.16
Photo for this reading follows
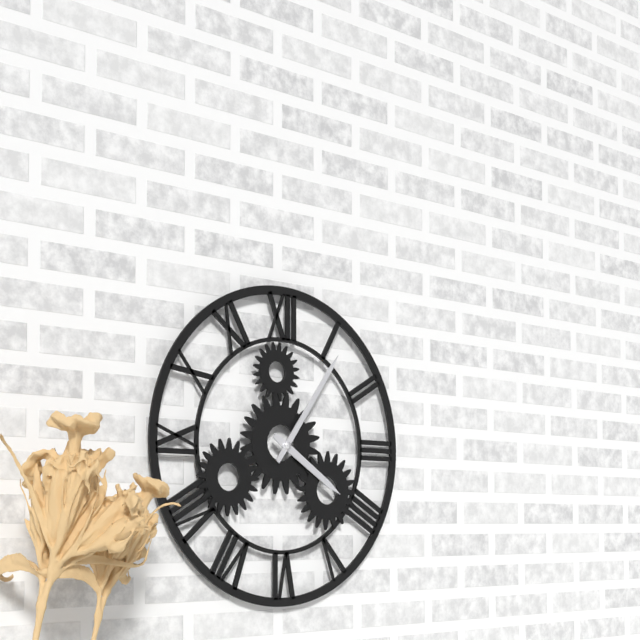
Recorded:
4.06
